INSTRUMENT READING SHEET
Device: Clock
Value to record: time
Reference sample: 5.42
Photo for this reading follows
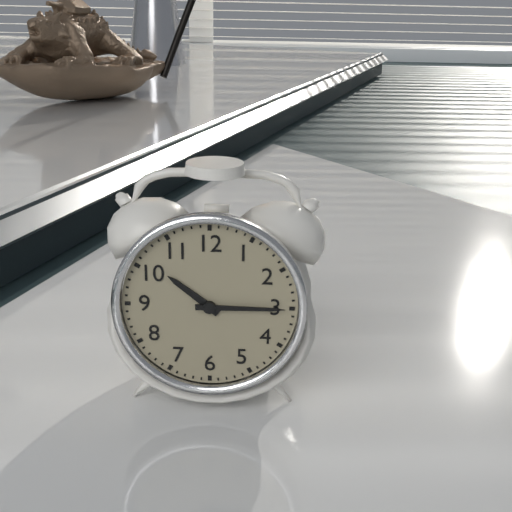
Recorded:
10.15
